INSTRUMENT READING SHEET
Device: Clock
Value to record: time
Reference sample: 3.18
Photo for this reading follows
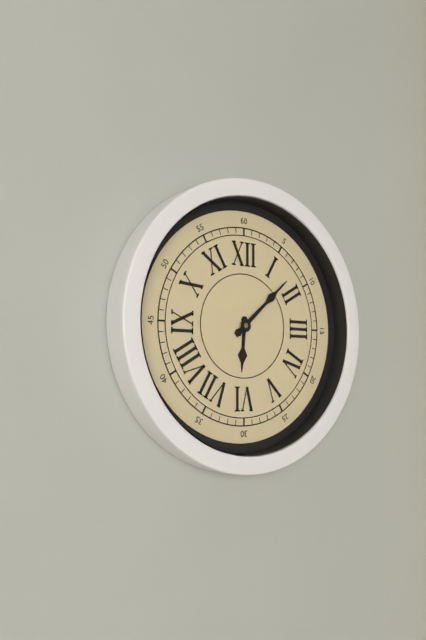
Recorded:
6.08
